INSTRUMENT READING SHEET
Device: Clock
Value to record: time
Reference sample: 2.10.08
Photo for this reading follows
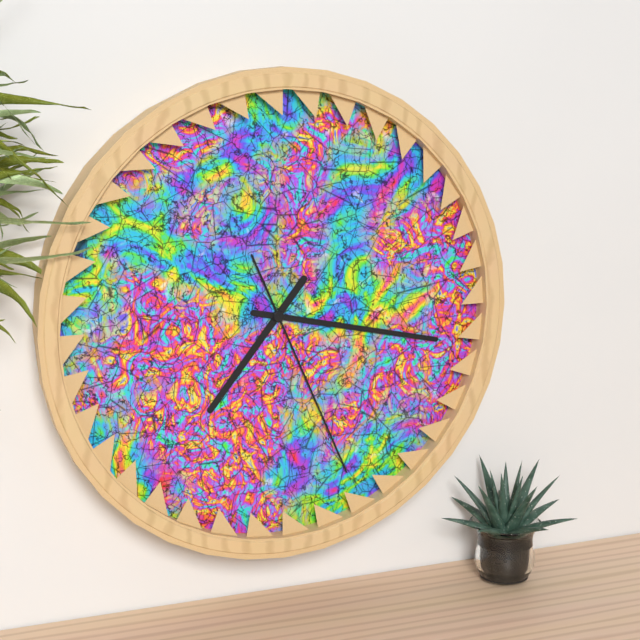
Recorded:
7.17.26
